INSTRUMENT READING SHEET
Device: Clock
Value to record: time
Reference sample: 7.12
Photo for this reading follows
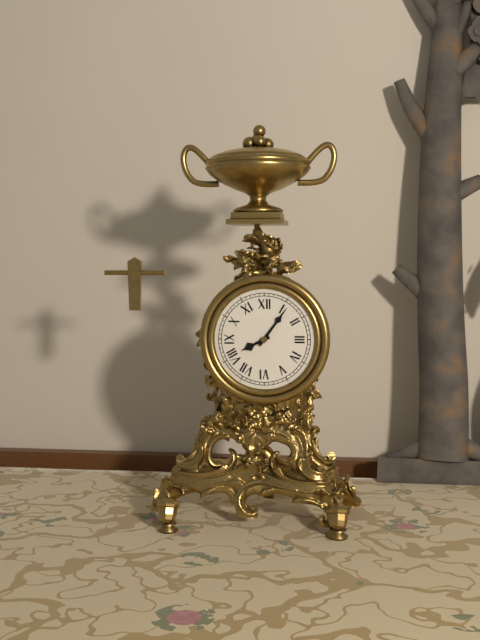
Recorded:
8.06
